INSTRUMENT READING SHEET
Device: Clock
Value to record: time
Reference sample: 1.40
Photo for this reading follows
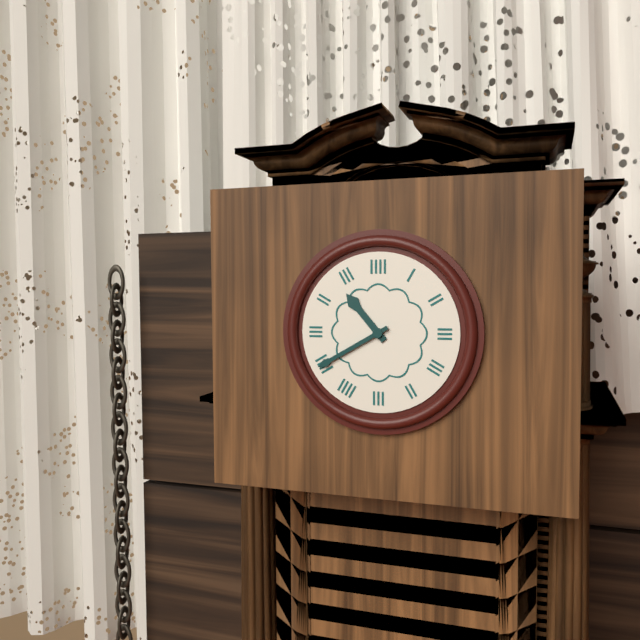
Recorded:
10.40
